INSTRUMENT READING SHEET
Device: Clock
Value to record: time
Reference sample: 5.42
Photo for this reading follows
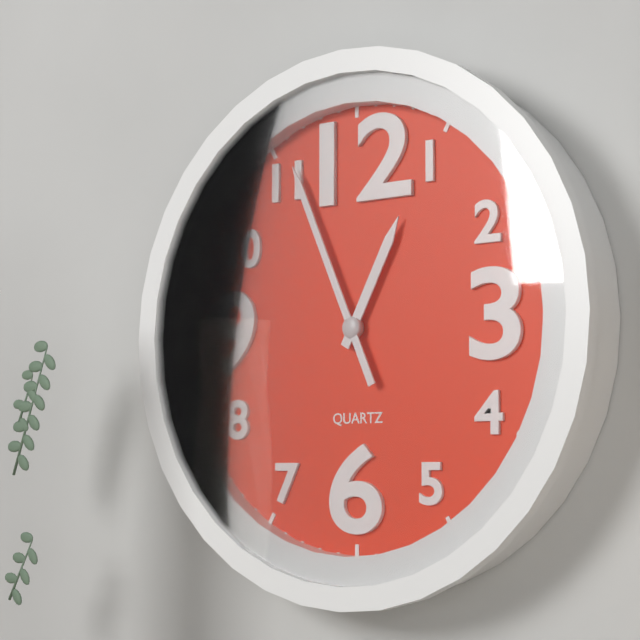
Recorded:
12.56
